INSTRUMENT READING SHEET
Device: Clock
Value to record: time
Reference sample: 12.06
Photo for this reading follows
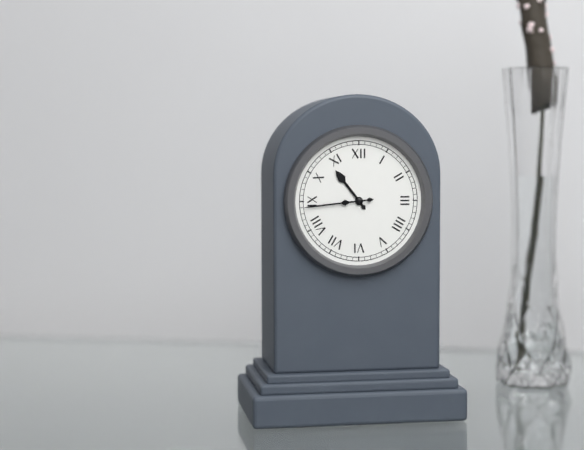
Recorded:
10.44
